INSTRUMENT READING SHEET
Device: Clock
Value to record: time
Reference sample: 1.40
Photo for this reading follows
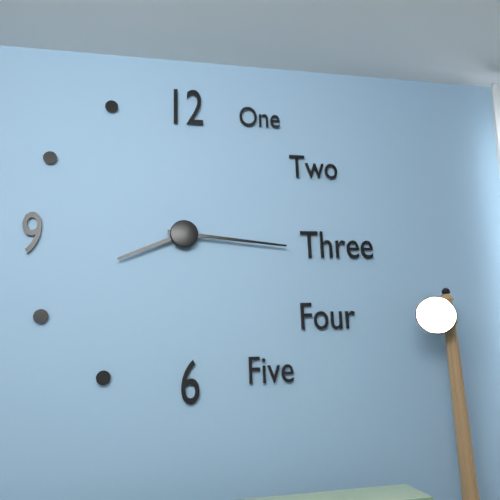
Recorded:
8.16
